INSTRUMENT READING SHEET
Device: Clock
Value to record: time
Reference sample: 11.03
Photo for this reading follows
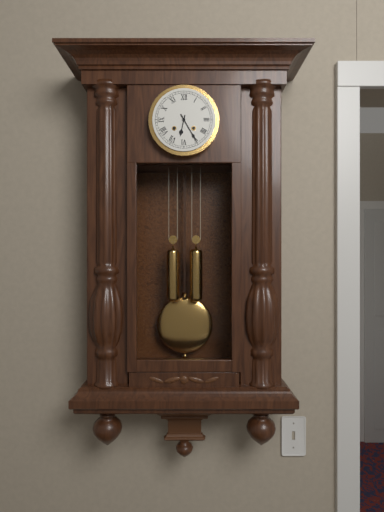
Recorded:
6.25
